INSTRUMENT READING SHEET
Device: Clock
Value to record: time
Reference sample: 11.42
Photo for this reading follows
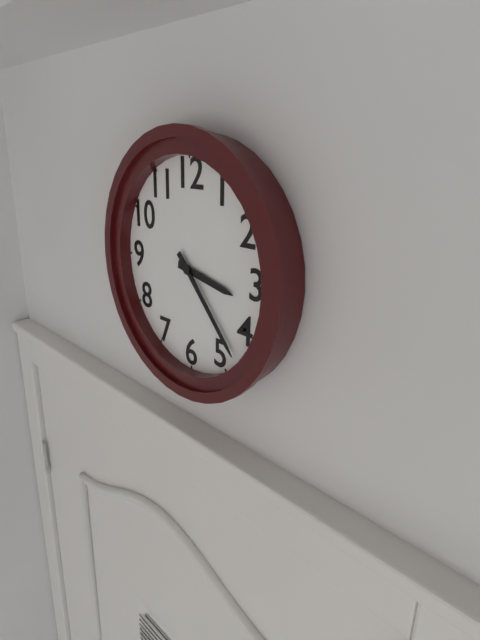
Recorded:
3.23
